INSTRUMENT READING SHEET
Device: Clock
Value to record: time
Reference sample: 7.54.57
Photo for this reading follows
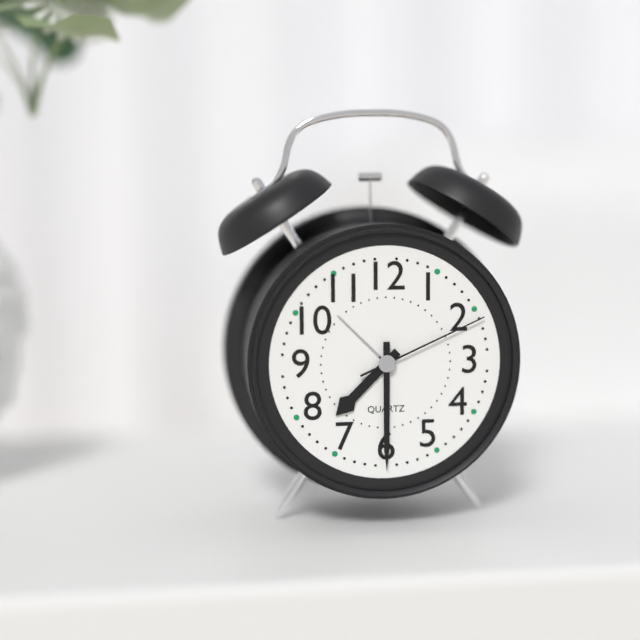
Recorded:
7.30.11
